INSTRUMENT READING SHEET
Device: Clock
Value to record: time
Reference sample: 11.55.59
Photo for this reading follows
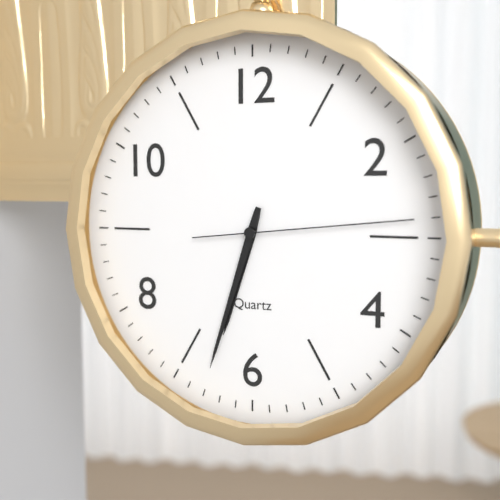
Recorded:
6.33.14
